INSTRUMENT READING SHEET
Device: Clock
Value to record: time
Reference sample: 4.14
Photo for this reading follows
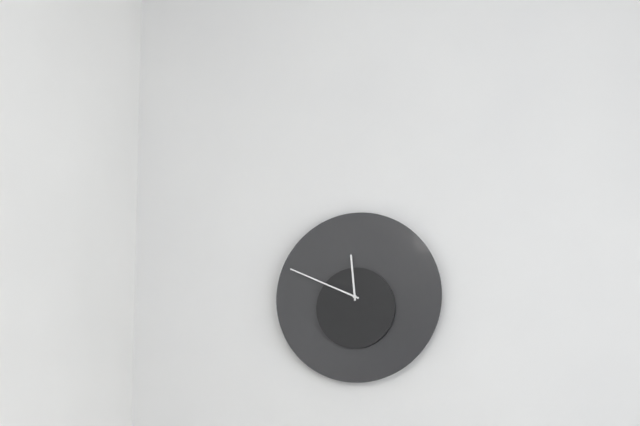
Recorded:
11.49
